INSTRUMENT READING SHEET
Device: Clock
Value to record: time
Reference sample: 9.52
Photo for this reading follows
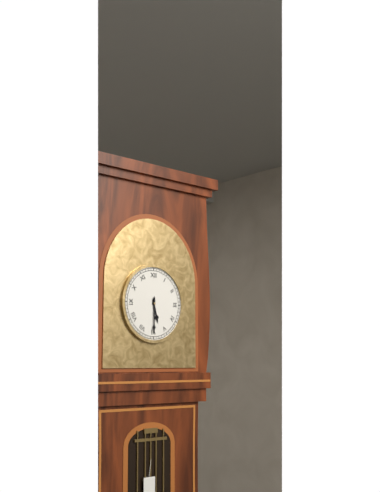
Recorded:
5.30
